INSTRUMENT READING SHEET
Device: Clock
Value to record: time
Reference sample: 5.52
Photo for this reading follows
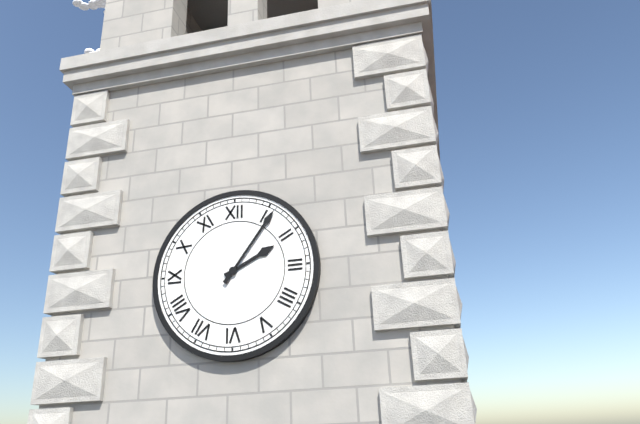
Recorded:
2.06
